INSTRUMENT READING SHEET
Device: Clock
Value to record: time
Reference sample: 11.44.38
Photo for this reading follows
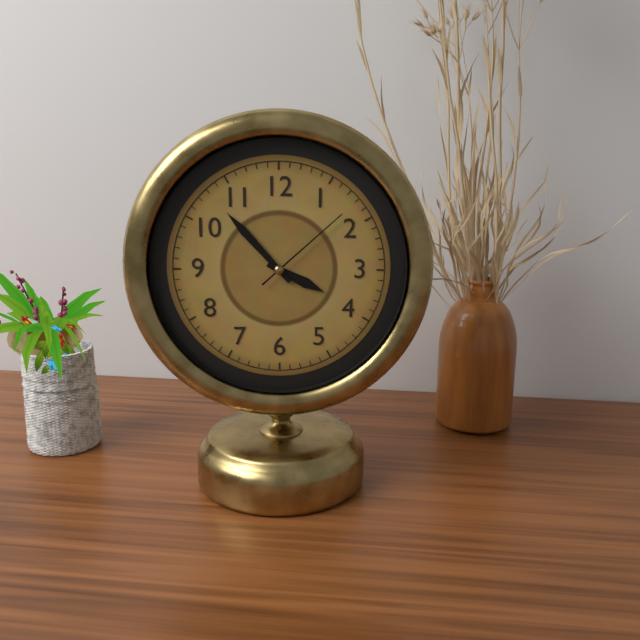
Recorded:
3.53.08
